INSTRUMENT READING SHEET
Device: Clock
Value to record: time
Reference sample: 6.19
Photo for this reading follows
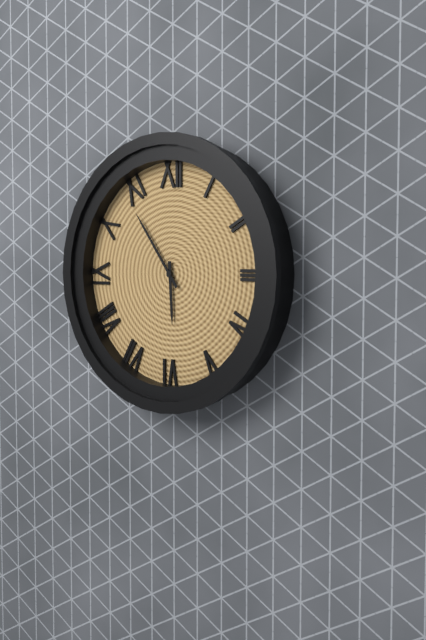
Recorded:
5.54
